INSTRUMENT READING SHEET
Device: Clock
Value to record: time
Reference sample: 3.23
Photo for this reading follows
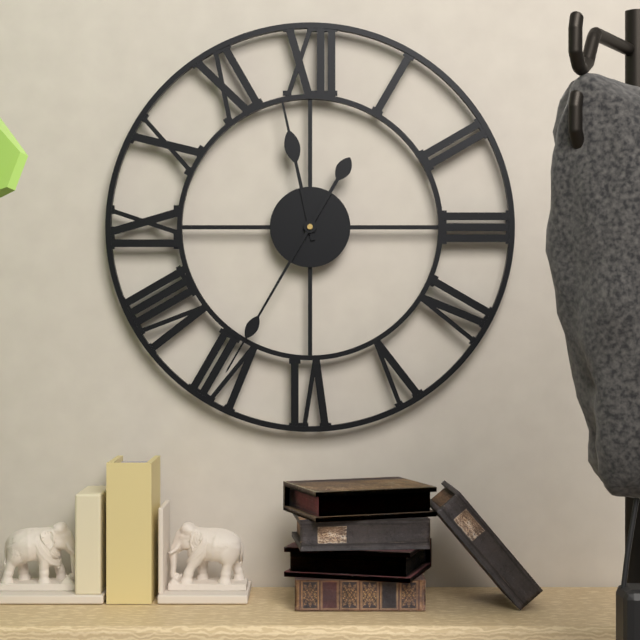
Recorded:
11.35
